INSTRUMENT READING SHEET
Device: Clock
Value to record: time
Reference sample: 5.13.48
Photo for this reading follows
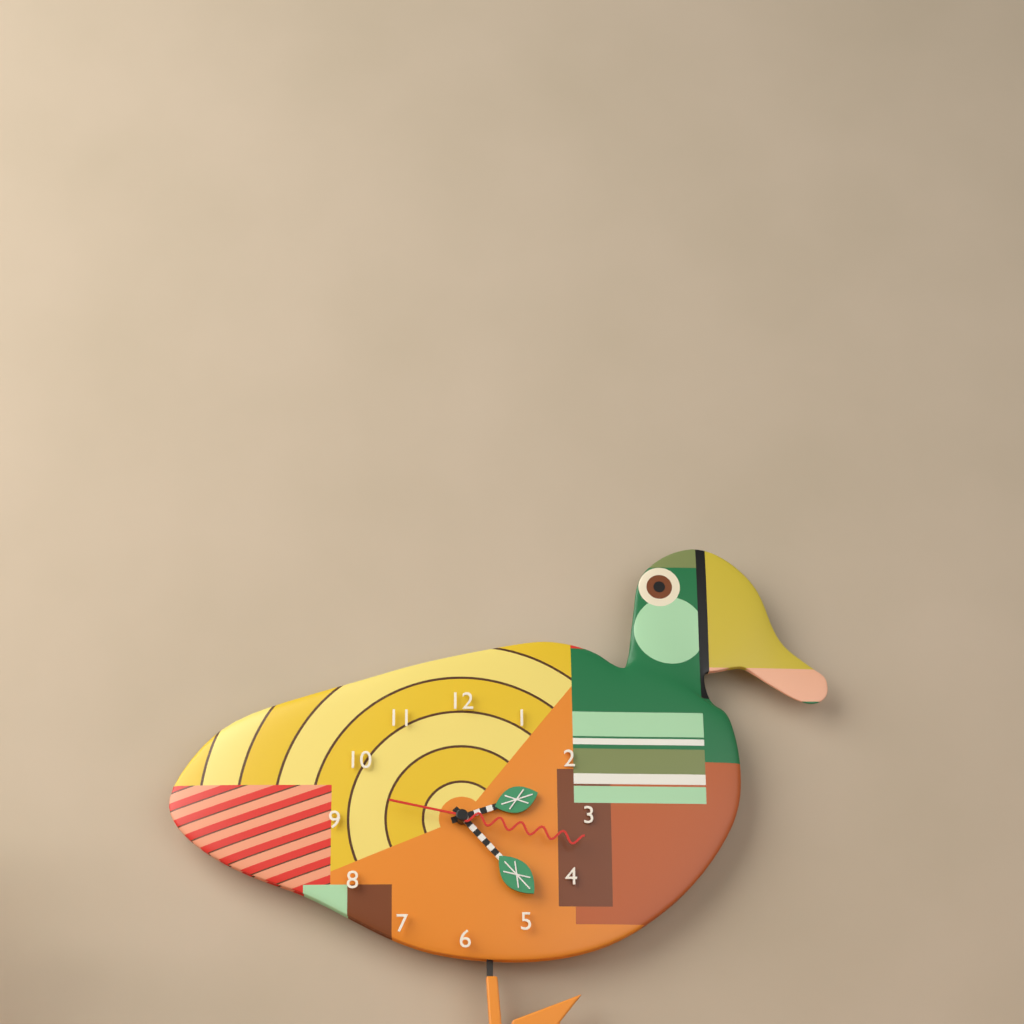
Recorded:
2.23.17
